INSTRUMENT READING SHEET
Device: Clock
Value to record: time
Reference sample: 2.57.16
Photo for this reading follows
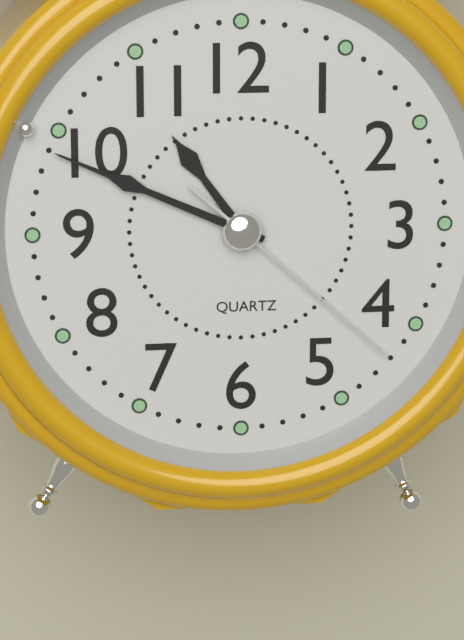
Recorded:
10.49.22
